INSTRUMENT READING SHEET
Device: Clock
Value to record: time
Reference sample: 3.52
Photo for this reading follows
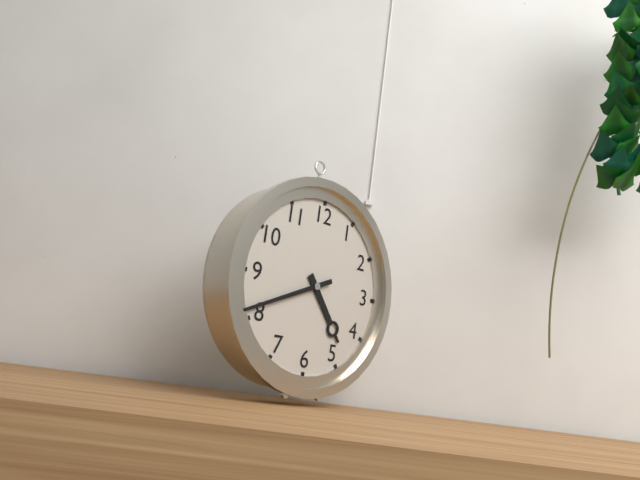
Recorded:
4.41
